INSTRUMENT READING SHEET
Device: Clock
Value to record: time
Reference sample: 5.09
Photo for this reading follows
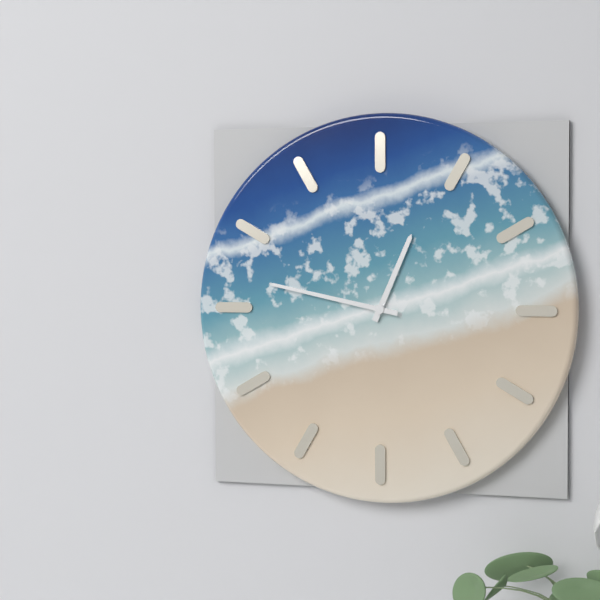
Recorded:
12.47
